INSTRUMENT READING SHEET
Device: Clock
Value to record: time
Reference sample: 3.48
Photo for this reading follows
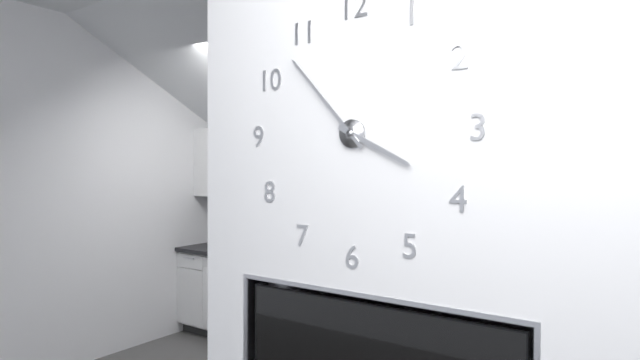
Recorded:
3.53
